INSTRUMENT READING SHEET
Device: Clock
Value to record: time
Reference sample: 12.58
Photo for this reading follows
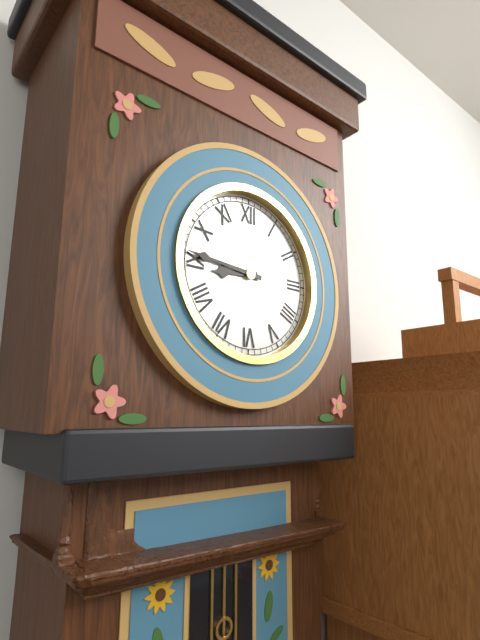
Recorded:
8.46
